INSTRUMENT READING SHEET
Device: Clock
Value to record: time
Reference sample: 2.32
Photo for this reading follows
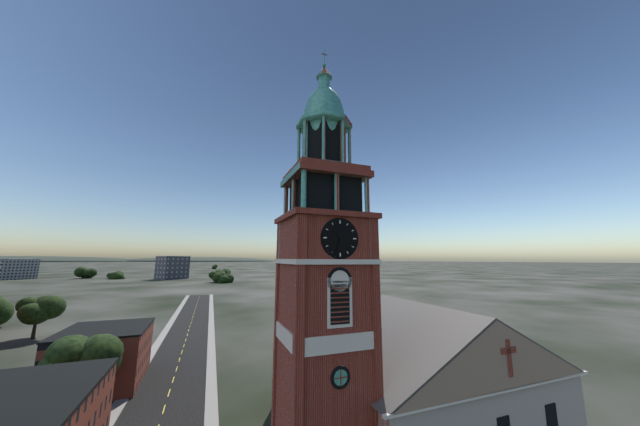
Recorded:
10.33
